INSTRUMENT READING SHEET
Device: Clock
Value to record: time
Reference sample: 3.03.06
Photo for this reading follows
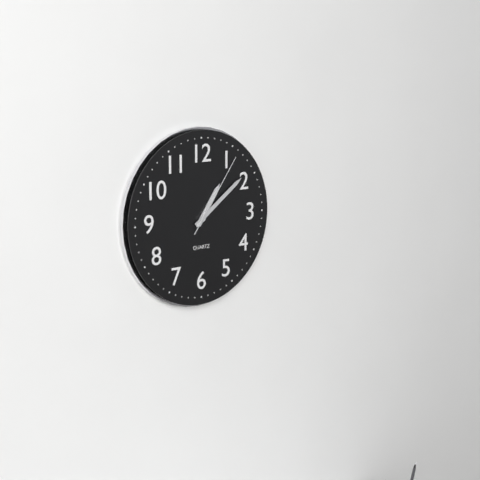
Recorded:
1.09.06
